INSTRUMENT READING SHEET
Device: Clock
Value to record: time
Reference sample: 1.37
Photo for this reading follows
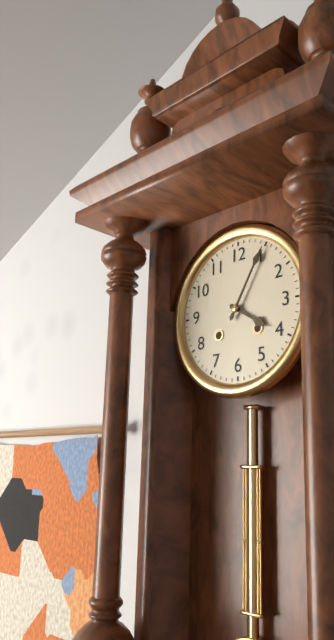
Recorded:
4.05
